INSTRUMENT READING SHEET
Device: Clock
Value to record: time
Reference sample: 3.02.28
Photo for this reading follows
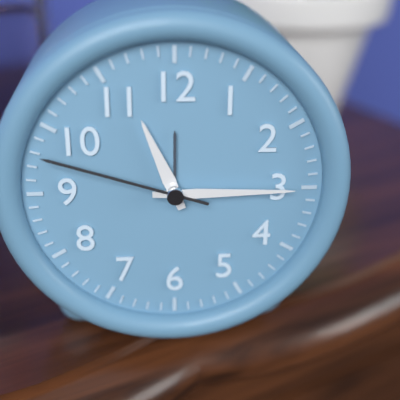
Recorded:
11.15.48
